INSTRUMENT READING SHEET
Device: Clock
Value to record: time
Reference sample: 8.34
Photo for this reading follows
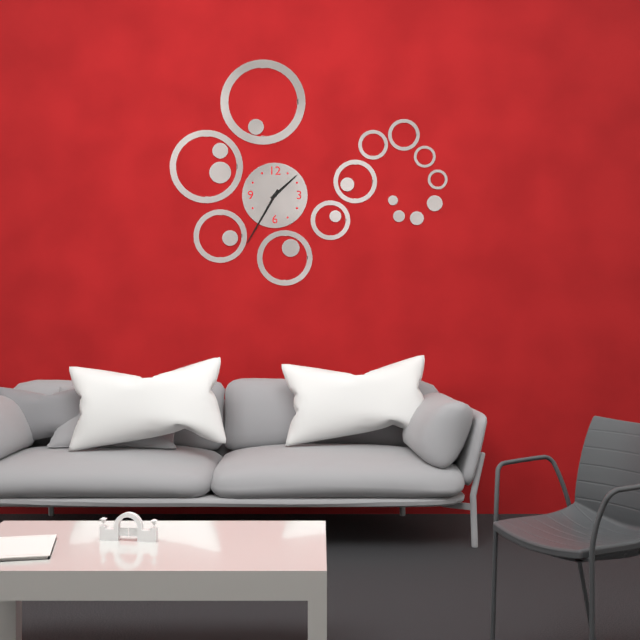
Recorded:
1.35
